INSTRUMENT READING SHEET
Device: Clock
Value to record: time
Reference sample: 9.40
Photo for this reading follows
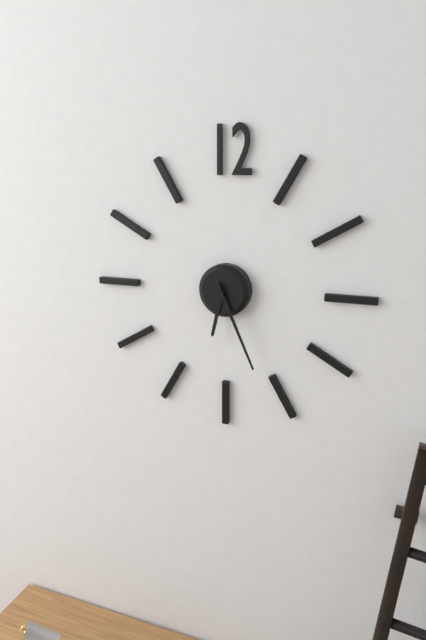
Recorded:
6.26
